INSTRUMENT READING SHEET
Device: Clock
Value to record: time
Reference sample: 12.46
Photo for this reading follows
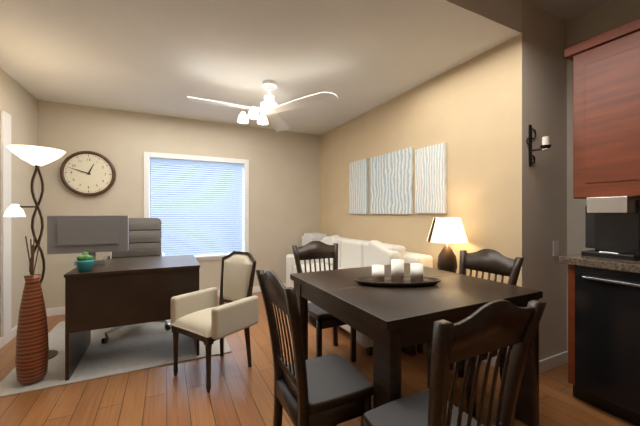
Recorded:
12.48
